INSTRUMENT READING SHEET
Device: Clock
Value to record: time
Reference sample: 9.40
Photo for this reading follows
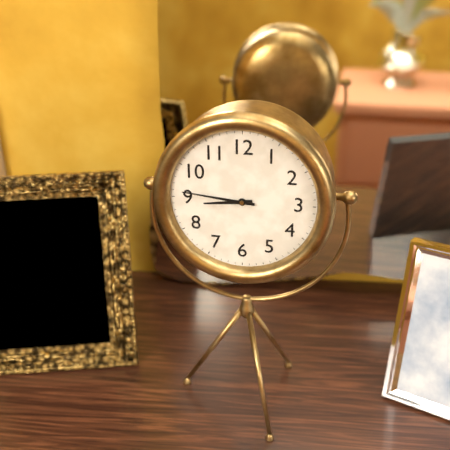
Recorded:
8.46
